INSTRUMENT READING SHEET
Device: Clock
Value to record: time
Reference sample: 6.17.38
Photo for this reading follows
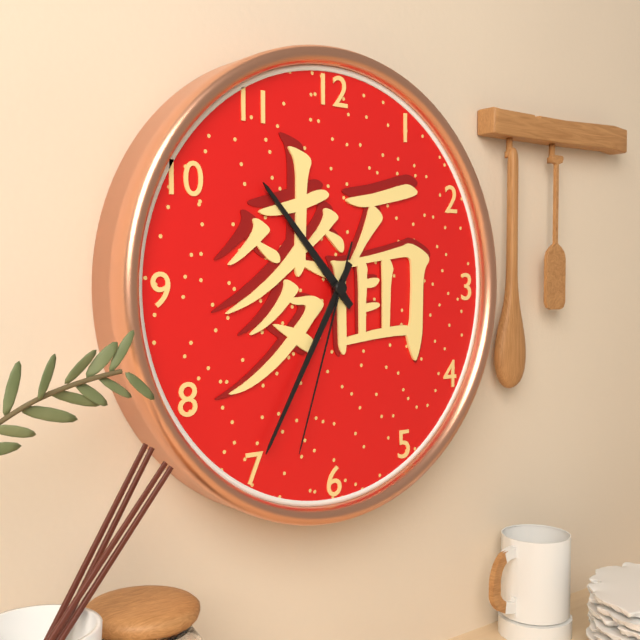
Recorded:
10.35.33
